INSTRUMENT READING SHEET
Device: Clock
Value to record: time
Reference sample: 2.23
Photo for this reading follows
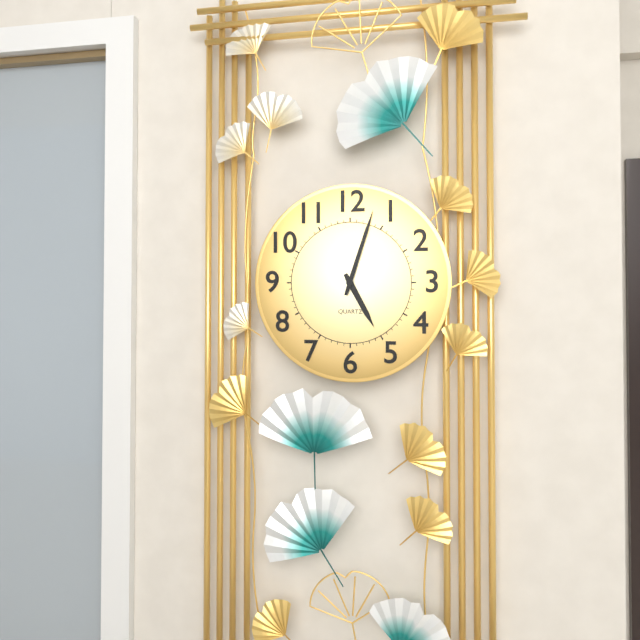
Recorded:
5.03
